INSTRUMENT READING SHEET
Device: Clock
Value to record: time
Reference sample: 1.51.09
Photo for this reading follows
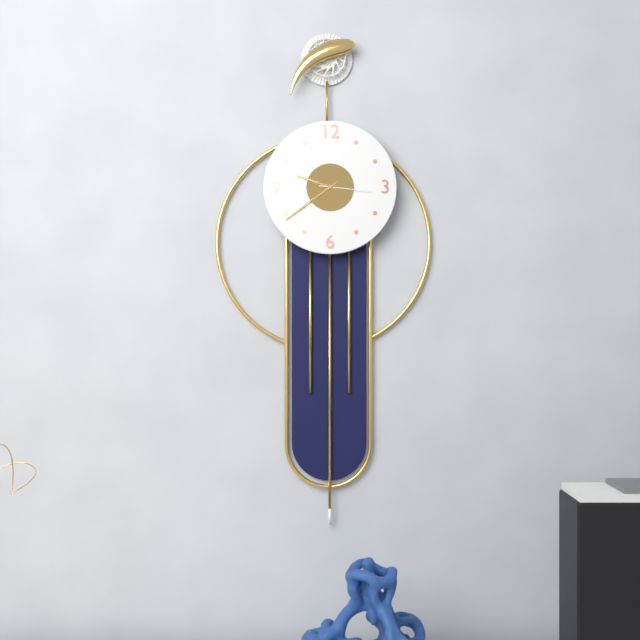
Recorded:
9.39.16
